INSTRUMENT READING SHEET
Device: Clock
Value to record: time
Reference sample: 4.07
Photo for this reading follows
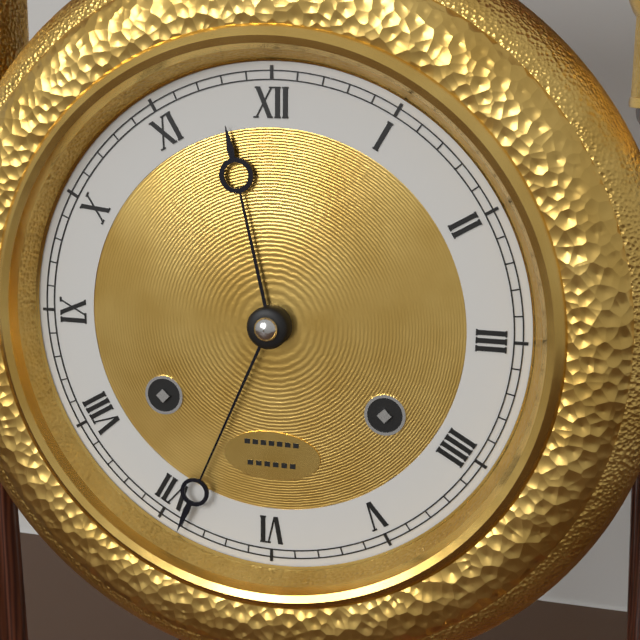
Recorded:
11.34
